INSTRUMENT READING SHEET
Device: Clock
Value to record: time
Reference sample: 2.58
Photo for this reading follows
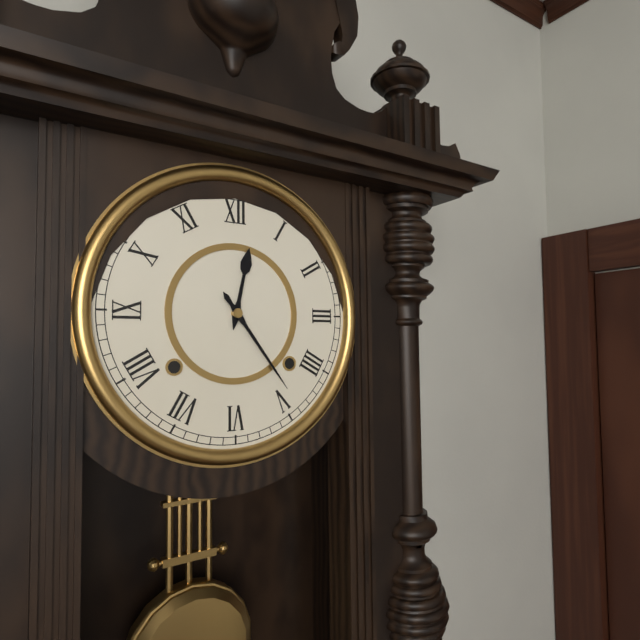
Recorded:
12.24
